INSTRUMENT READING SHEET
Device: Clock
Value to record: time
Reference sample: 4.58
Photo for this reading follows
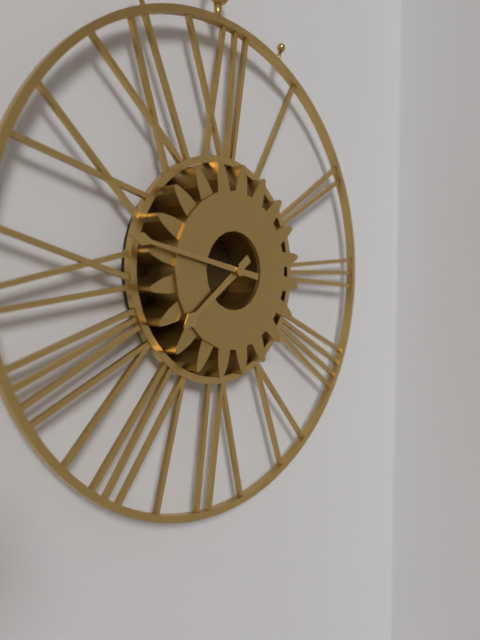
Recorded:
7.47
